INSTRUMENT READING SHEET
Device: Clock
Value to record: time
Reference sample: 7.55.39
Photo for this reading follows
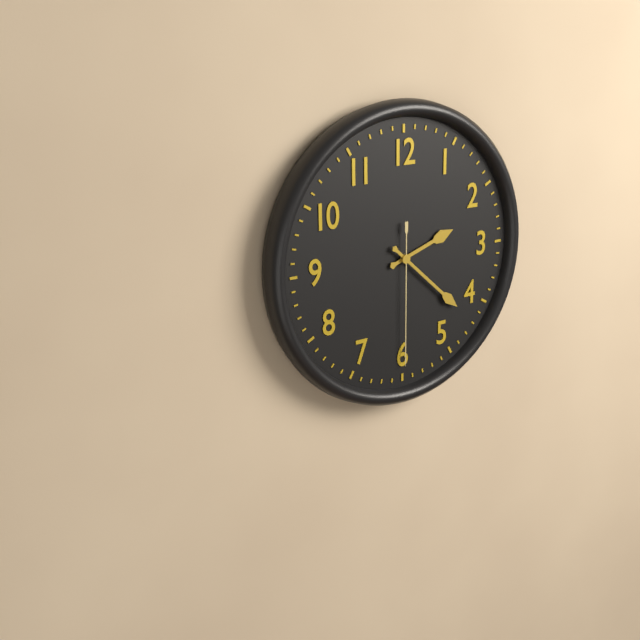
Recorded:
2.22.30
